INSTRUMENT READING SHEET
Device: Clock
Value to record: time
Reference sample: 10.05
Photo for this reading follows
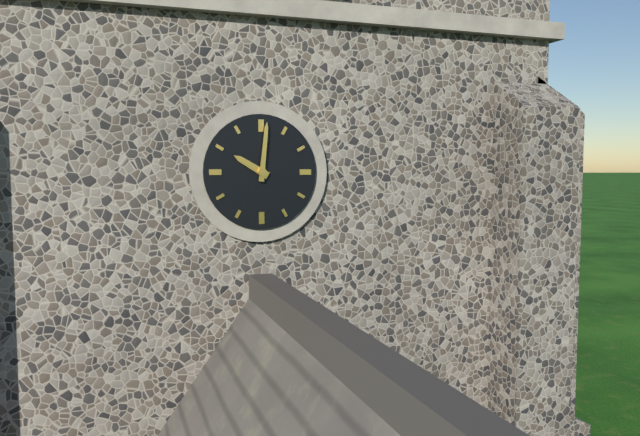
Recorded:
10.01
